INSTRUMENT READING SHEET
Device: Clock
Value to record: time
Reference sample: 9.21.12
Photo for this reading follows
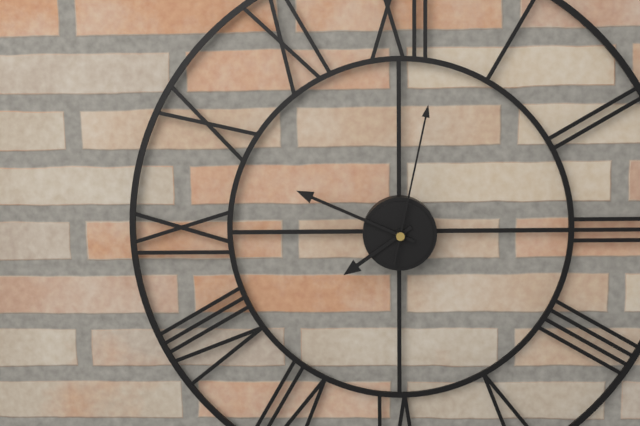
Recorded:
7.49.02
